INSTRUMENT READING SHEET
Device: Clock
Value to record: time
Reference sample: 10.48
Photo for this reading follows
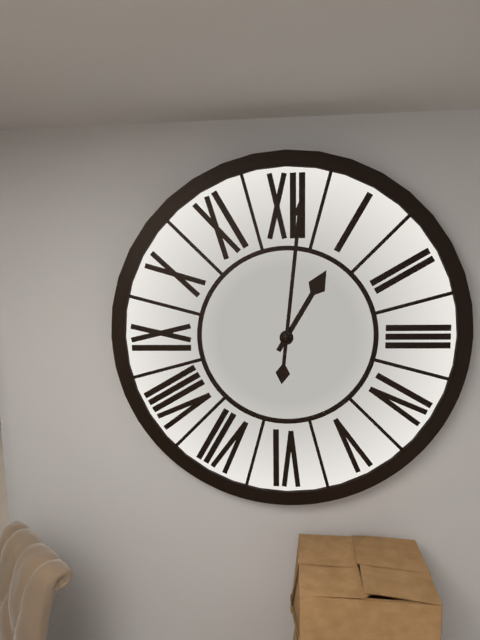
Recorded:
1.01
